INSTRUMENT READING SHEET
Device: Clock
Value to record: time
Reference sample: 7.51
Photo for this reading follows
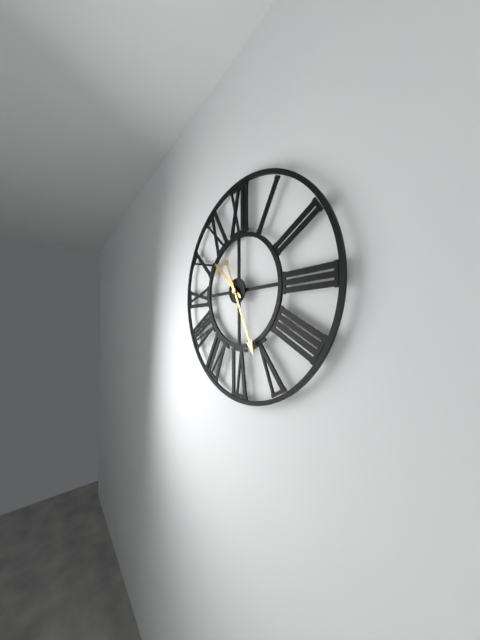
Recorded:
10.26
